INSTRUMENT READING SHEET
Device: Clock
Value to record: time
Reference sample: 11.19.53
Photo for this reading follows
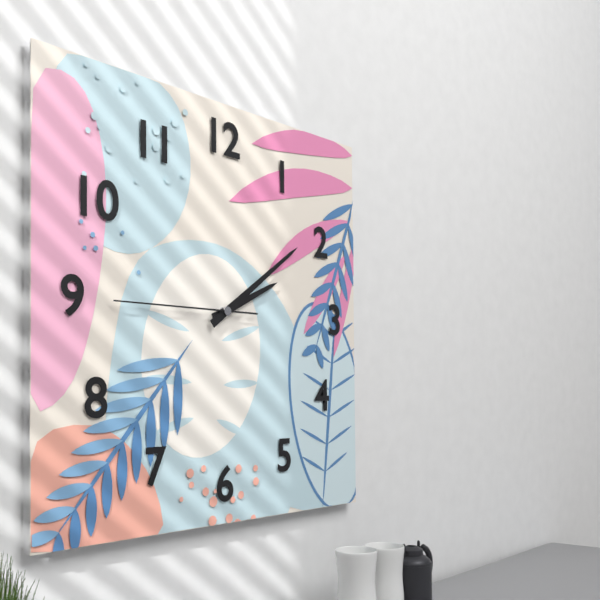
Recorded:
2.09.45
